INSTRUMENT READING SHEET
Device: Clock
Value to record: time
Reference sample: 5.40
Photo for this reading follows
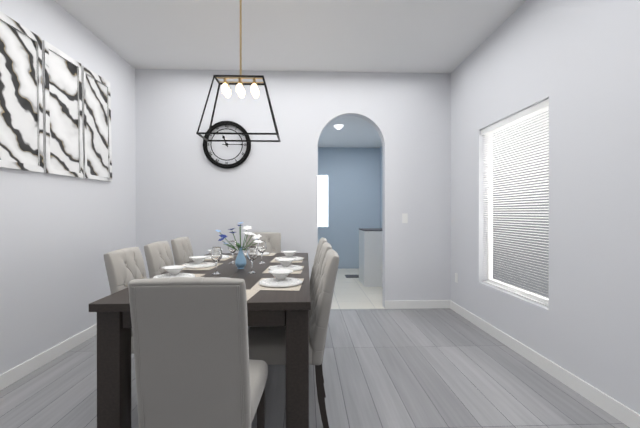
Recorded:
11.15
